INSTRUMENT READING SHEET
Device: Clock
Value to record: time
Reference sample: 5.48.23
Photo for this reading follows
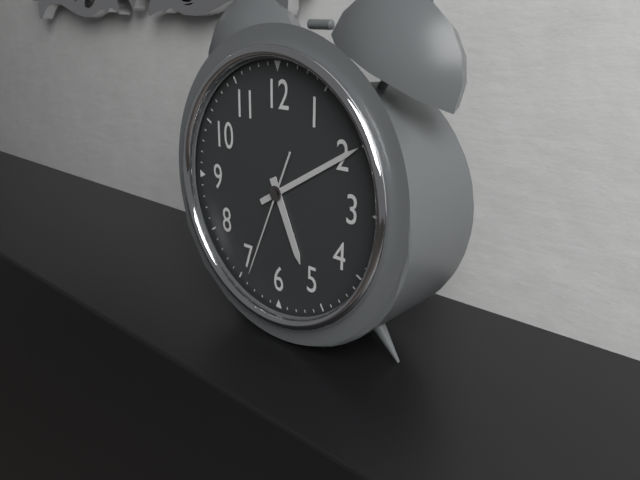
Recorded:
5.10.34
